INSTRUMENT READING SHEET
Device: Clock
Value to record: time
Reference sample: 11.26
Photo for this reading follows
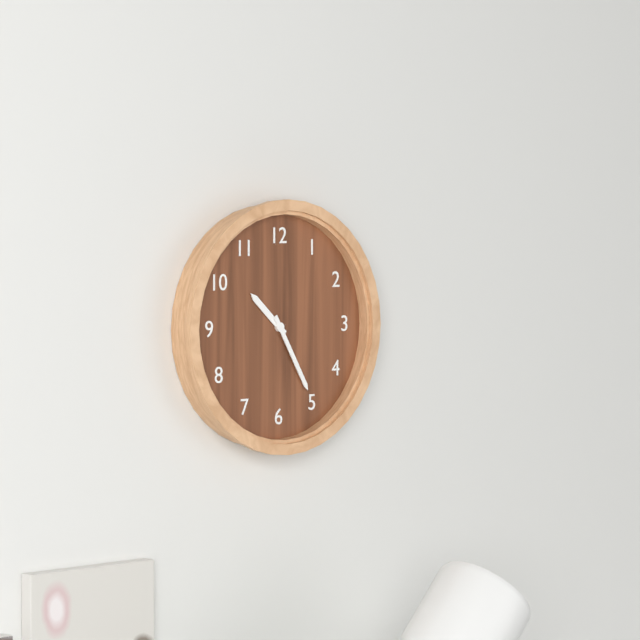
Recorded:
10.25
